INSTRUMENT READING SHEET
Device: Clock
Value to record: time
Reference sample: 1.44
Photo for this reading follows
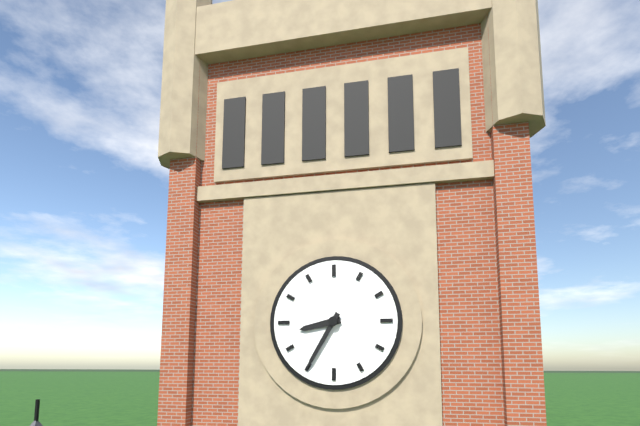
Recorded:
8.35
